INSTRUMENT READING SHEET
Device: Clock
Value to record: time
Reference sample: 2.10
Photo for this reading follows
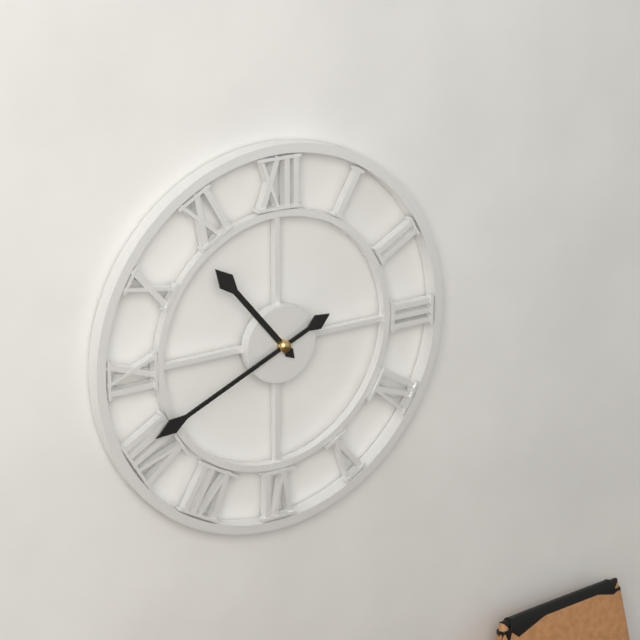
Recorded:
10.41
